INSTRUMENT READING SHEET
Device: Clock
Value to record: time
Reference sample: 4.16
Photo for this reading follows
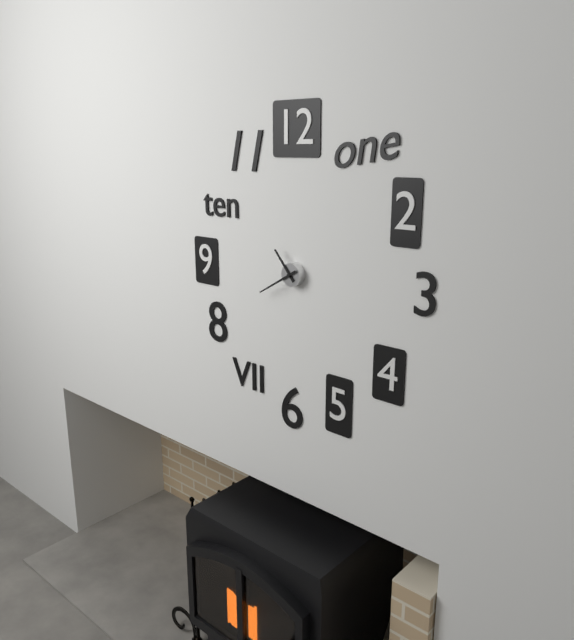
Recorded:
10.40
